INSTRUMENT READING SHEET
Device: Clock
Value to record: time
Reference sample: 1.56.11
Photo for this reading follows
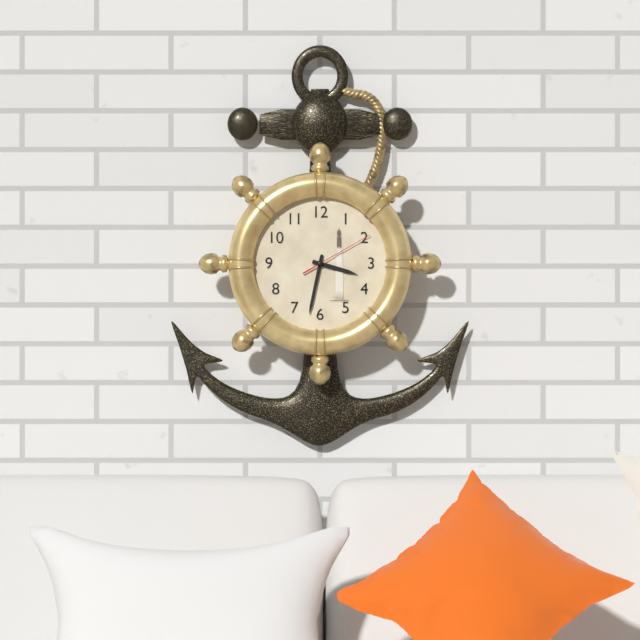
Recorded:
3.32.10
